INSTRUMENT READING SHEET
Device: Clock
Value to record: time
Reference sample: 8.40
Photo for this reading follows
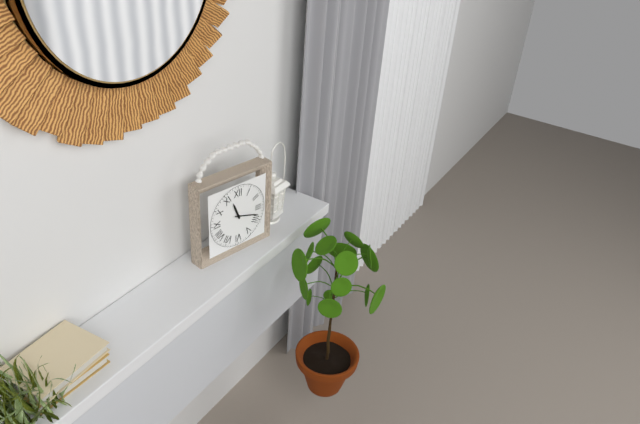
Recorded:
11.18
